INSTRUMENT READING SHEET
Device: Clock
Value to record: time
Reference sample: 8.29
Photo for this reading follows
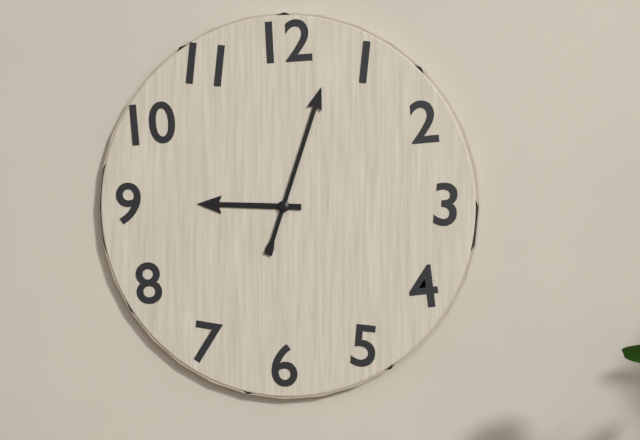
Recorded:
9.03
